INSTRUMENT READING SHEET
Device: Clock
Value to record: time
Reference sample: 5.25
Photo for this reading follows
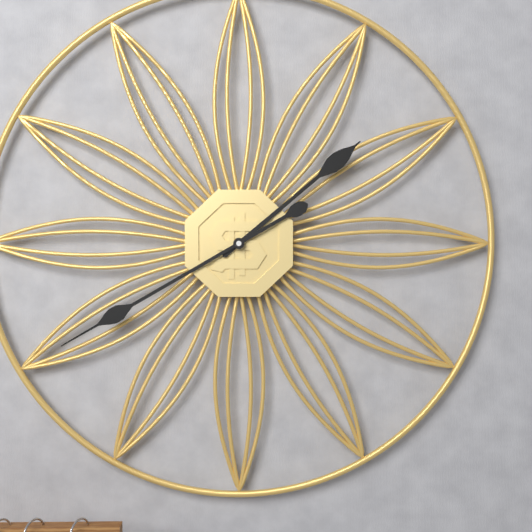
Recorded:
1.40
